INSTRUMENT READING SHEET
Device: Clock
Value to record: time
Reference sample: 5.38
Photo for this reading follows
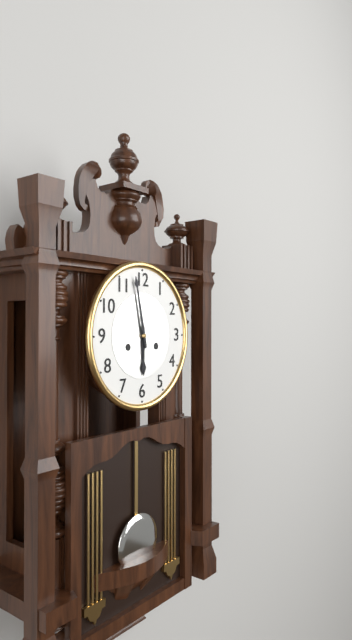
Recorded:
5.58
